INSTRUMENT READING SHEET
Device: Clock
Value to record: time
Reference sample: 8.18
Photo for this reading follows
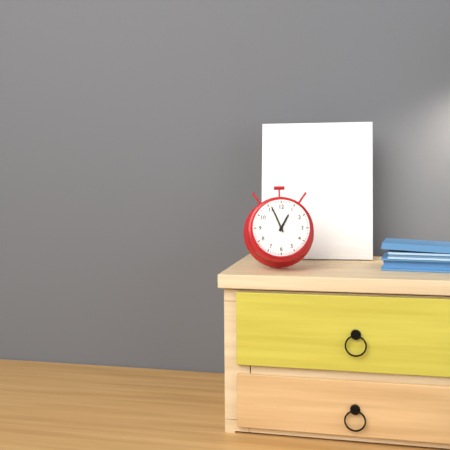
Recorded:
12.56
